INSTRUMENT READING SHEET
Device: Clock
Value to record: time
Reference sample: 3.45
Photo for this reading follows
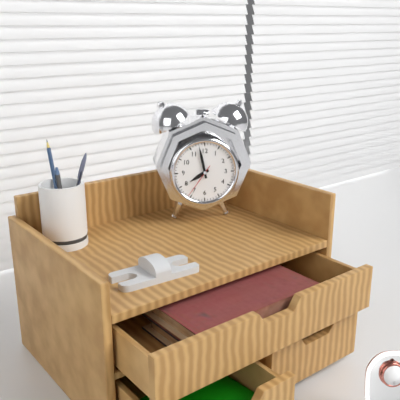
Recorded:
7.58
